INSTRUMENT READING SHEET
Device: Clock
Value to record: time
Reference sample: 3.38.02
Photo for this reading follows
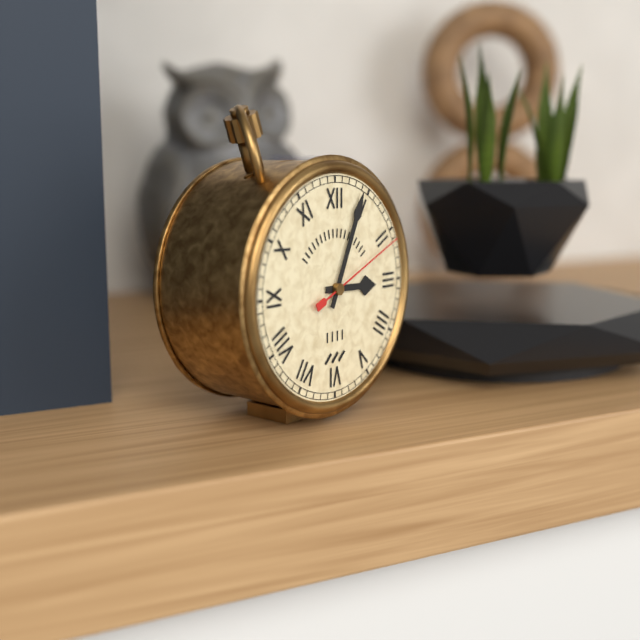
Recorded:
3.04.11
